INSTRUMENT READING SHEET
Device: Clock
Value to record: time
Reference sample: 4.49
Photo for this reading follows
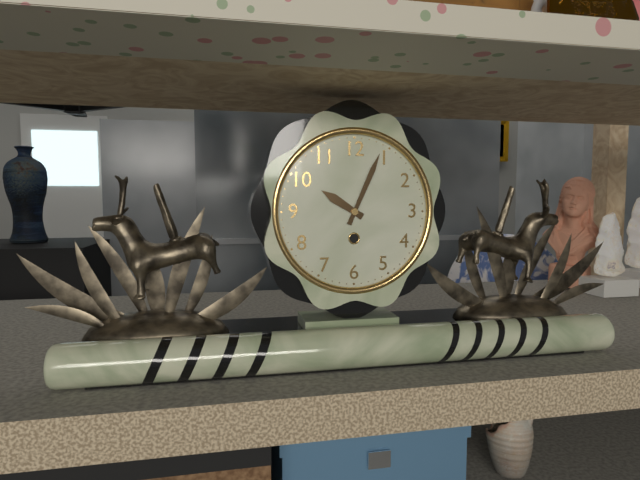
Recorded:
10.04
